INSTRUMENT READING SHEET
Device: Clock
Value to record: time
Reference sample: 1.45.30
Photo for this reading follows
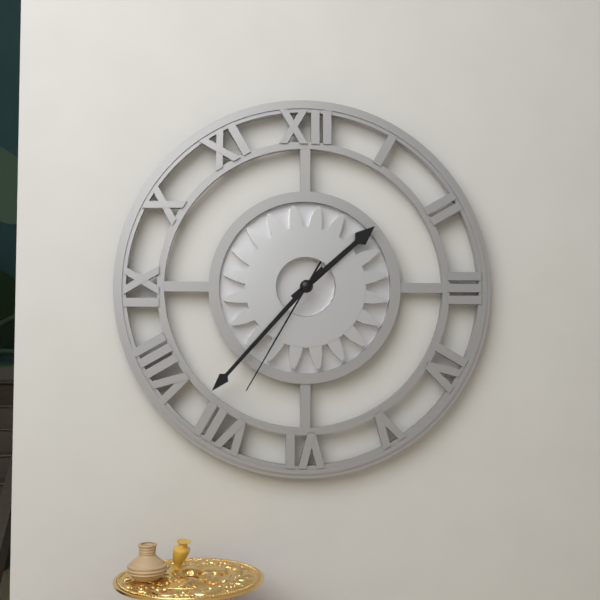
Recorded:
1.37.35
